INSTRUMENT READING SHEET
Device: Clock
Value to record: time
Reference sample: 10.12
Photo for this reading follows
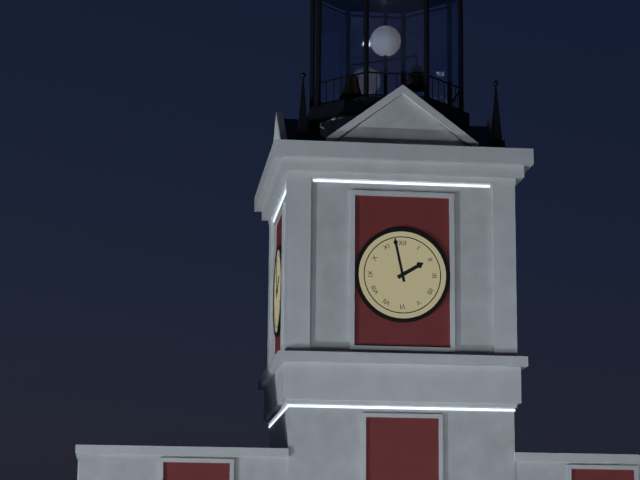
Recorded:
1.58
